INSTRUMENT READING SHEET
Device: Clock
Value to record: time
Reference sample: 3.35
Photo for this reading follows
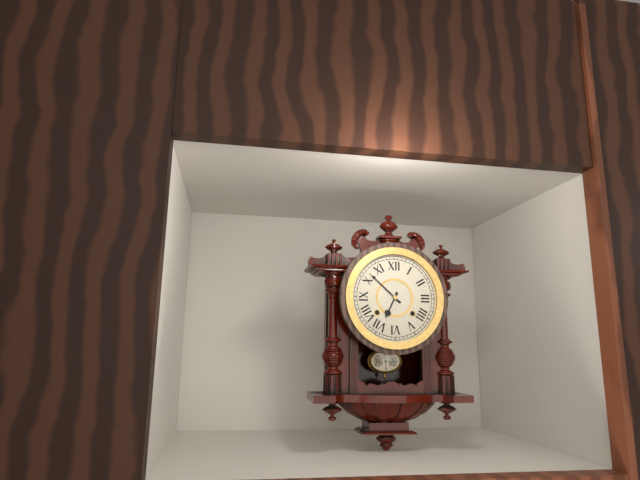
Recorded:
6.52
